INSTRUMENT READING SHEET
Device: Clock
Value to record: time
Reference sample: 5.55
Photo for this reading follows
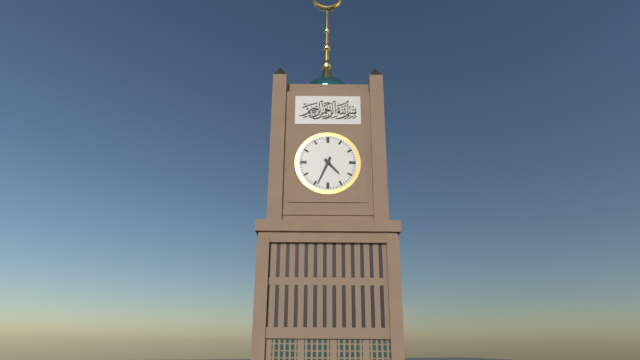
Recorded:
4.34
